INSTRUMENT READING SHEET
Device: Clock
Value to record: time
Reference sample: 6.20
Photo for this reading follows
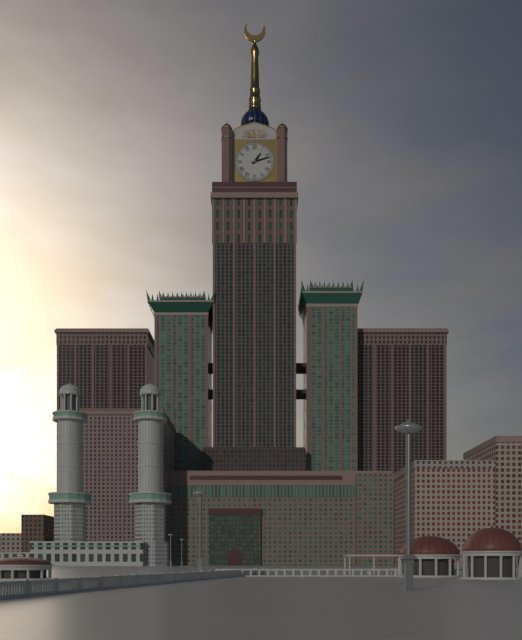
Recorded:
1.12
